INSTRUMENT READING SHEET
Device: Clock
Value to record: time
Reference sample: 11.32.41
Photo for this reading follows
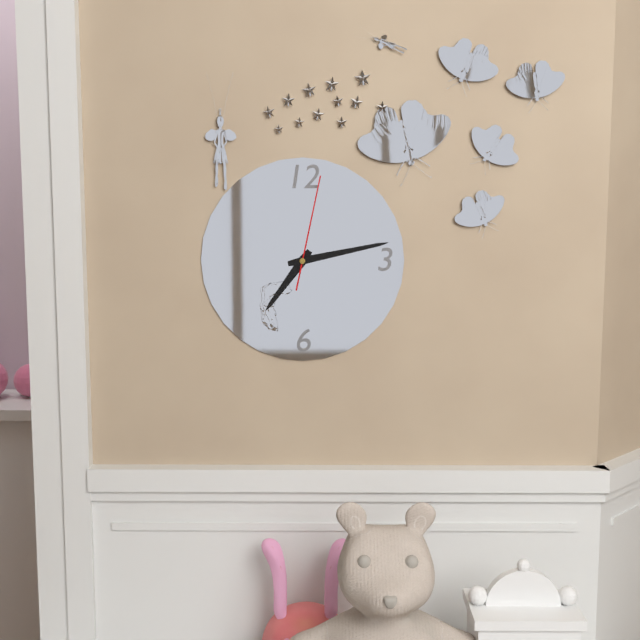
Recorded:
7.13.02
